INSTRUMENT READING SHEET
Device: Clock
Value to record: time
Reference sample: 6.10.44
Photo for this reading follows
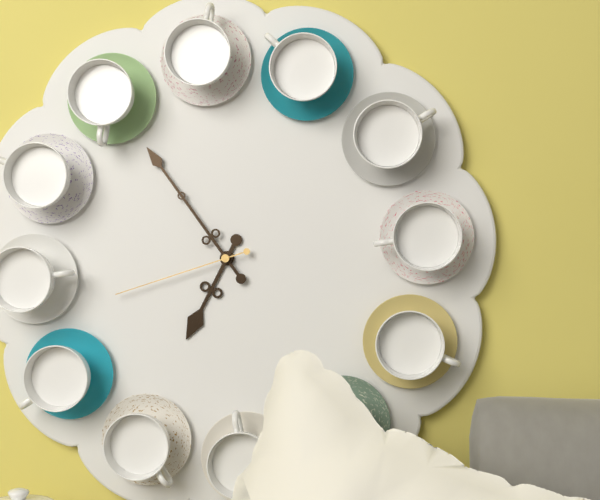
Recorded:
6.54.42
